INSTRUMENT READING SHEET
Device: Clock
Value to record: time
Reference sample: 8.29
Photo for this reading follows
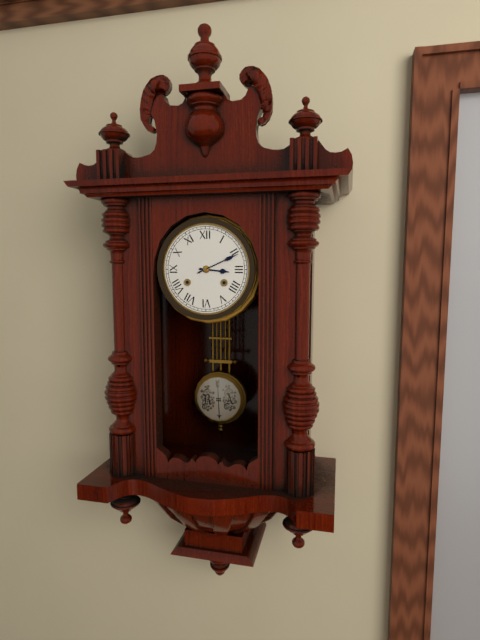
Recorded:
3.11
